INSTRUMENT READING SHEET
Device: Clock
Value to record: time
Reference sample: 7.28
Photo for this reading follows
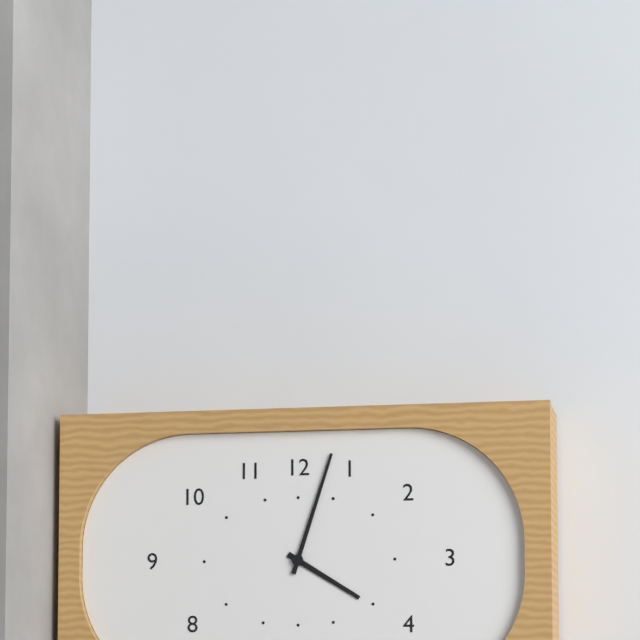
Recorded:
4.03
